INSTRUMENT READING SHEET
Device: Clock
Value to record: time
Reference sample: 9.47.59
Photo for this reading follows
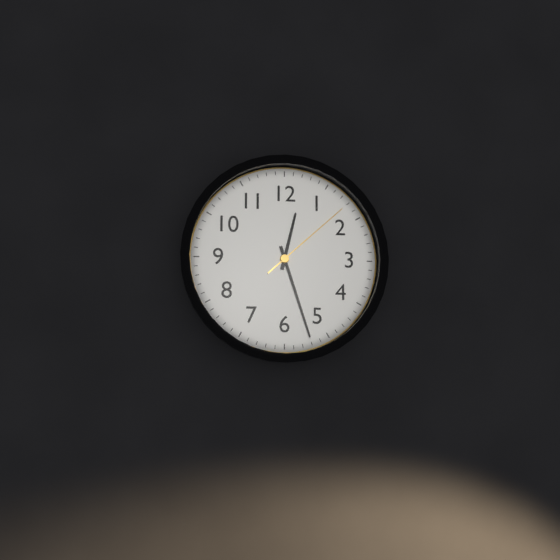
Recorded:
12.27.08
